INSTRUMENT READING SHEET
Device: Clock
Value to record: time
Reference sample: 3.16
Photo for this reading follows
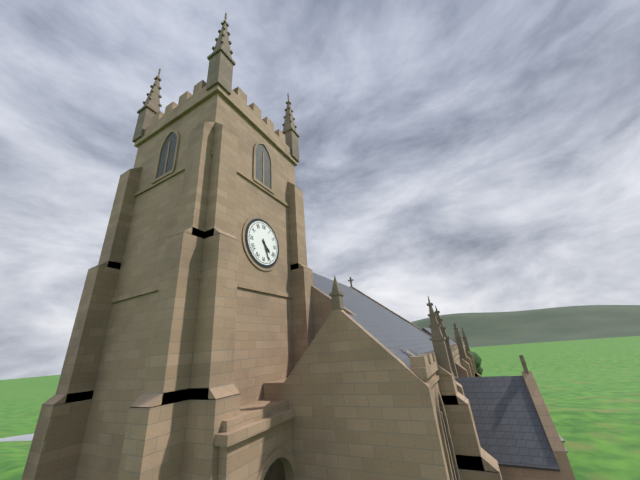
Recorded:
4.26
